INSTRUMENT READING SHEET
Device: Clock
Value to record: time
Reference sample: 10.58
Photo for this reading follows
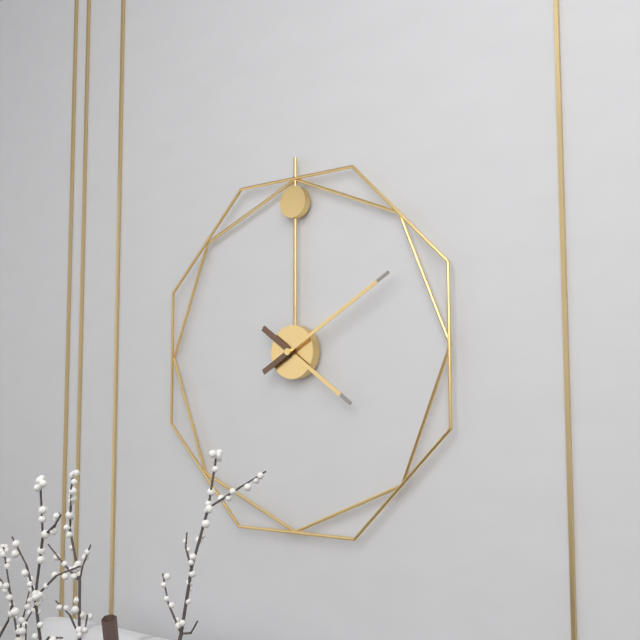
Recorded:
4.10
